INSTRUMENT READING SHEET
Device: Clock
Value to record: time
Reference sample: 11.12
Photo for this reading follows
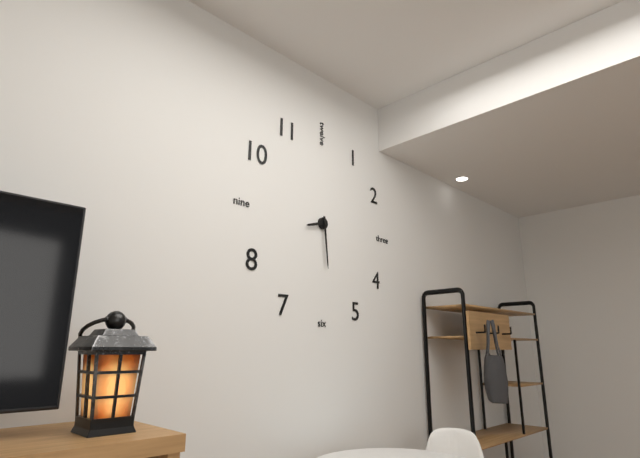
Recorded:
8.29
